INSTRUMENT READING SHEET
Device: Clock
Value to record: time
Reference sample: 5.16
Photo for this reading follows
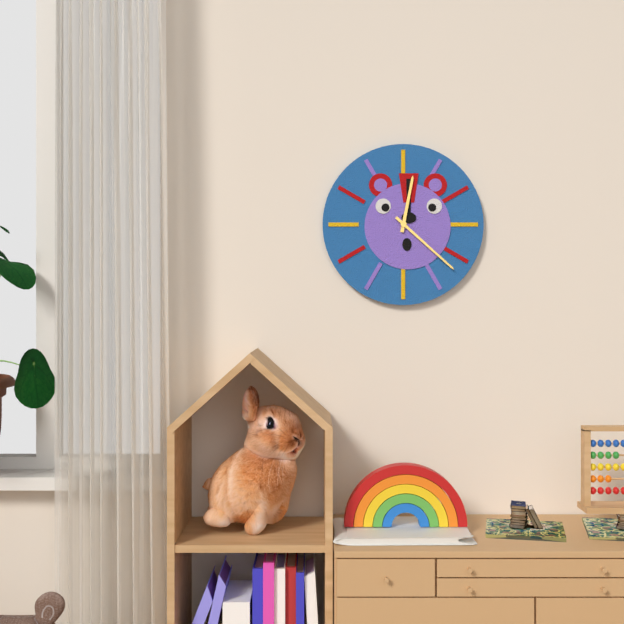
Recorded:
12.22
